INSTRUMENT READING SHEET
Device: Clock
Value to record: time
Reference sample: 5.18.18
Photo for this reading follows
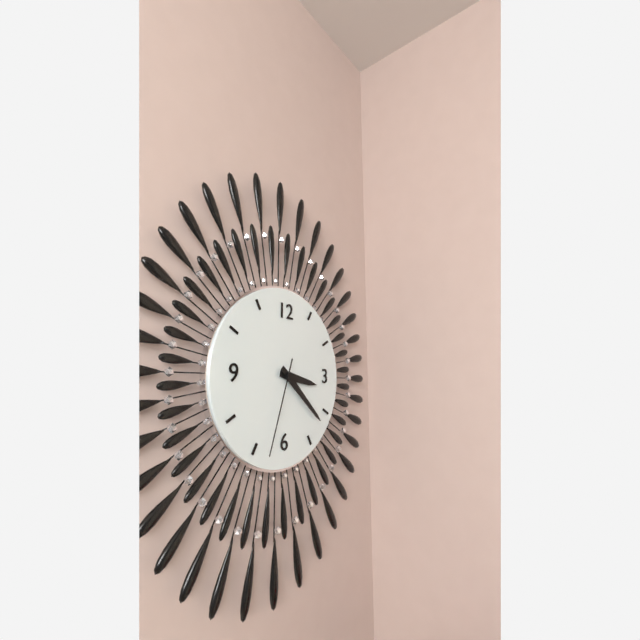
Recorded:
3.22.33
